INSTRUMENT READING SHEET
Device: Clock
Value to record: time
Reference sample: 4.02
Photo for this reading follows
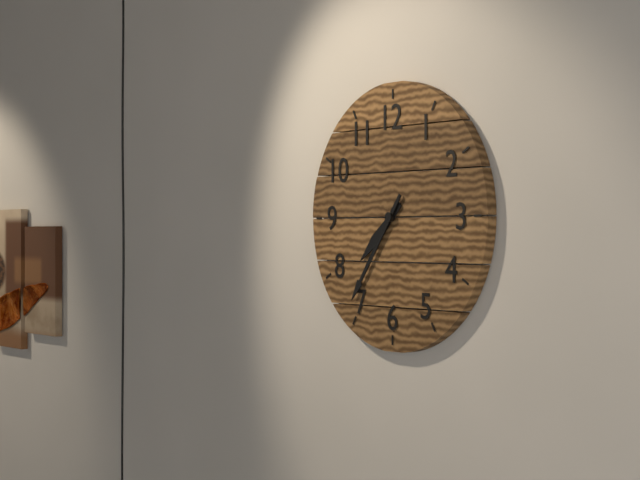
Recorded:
7.36
